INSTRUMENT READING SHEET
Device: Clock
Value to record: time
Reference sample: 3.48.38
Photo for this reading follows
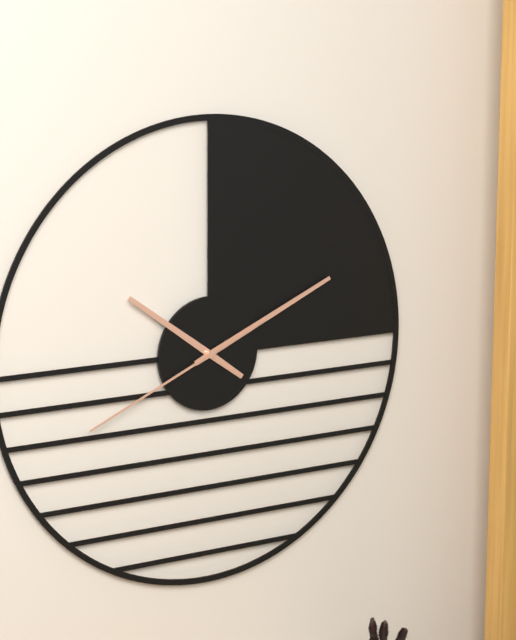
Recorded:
10.11.41
